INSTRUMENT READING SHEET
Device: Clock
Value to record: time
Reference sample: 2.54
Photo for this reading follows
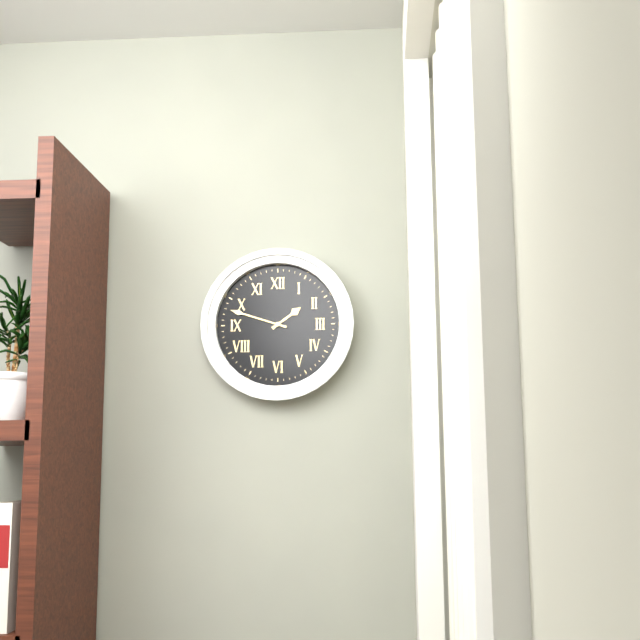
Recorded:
1.48
